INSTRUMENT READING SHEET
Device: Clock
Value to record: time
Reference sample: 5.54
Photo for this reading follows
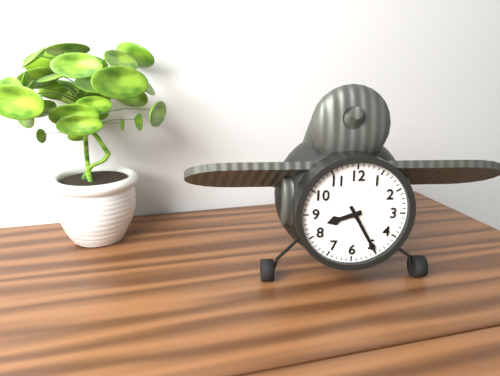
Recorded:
8.25
